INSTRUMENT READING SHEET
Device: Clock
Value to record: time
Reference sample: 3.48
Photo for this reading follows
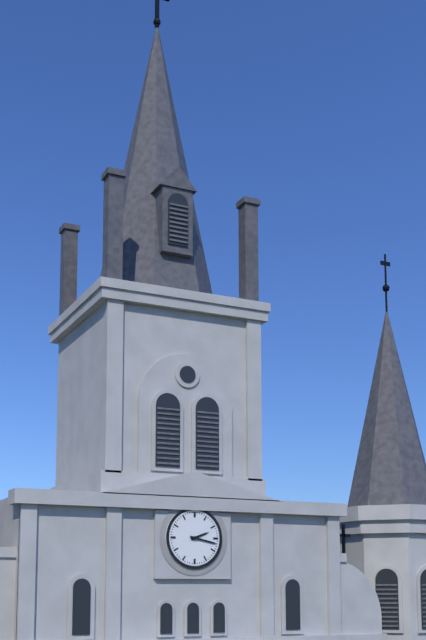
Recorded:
2.17
